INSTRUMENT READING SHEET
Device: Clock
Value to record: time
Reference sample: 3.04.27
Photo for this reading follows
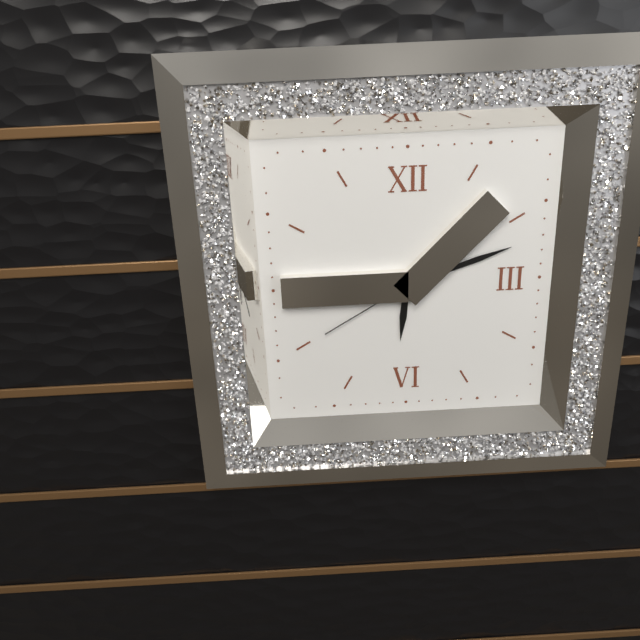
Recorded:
6.12.40
